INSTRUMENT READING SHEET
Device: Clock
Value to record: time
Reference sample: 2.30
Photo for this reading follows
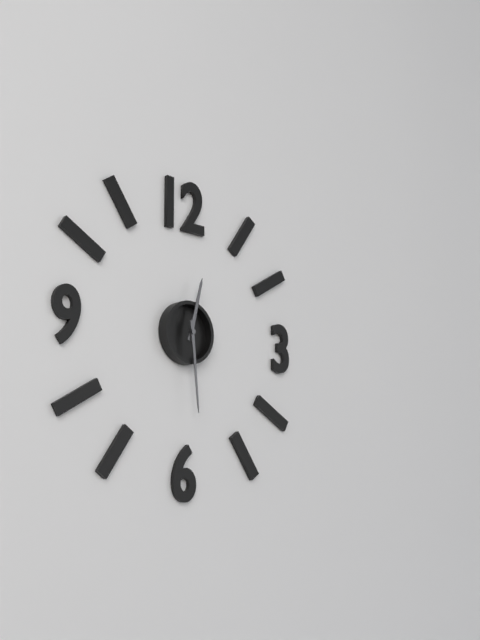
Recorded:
12.29
